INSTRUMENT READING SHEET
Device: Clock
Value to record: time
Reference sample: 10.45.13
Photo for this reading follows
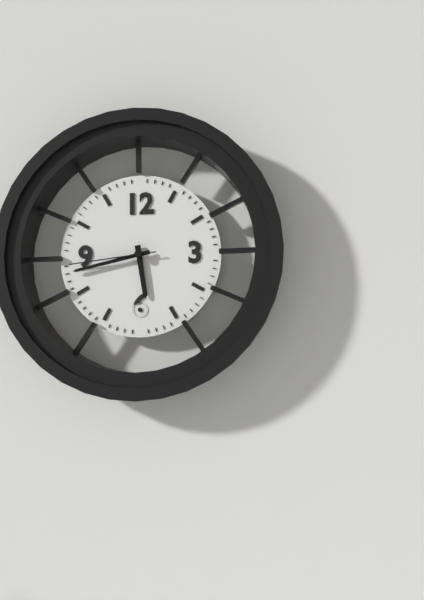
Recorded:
5.43.44
